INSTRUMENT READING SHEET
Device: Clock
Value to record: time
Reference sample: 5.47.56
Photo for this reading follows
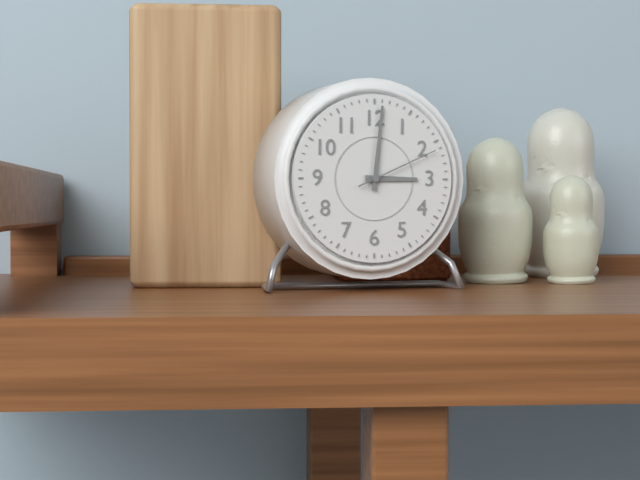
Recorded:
3.01.11
